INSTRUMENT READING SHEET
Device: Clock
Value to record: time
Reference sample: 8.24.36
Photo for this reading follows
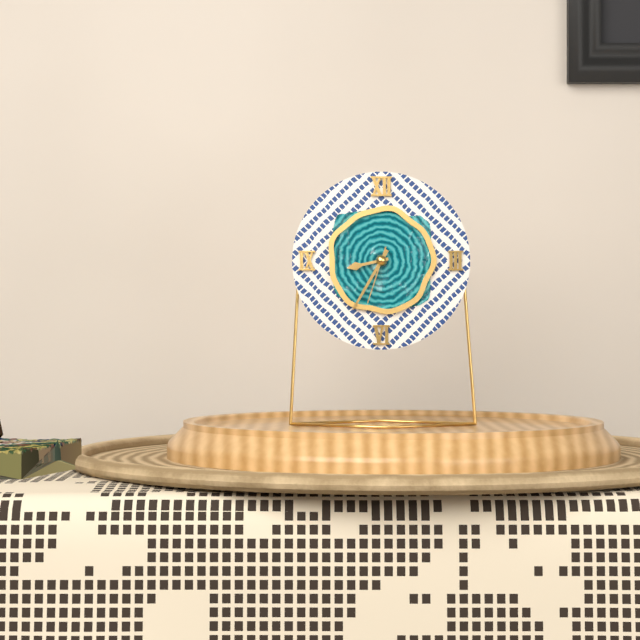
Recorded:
8.35.33
